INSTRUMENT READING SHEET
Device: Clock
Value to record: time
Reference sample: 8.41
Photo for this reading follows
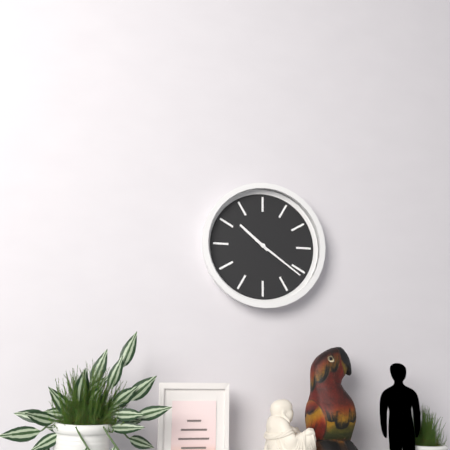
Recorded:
10.21
